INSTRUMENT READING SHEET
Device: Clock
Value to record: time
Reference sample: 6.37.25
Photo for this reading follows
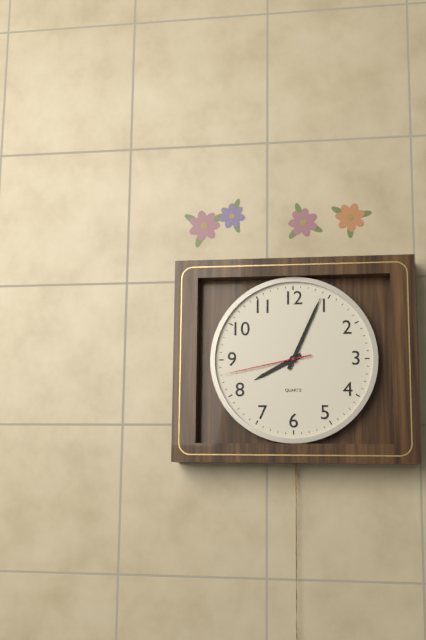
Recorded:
8.04.43
